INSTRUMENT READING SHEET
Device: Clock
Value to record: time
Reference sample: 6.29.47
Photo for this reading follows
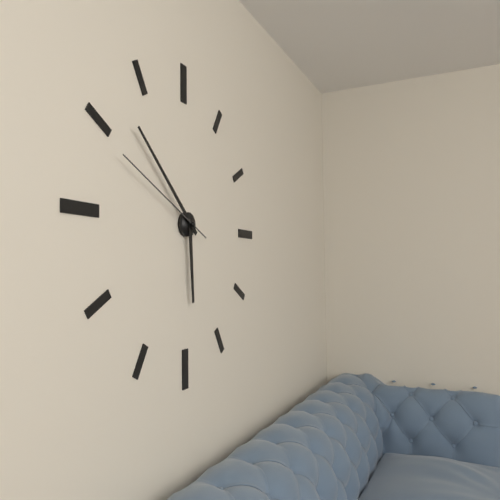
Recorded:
5.52.49
